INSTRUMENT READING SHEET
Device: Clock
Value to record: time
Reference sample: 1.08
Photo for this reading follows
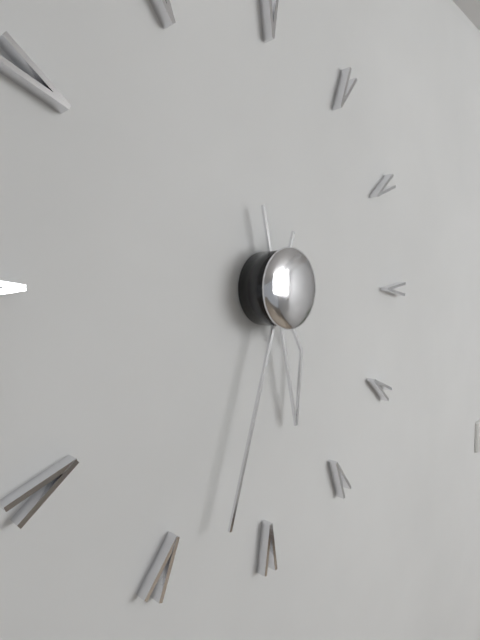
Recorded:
5.33
